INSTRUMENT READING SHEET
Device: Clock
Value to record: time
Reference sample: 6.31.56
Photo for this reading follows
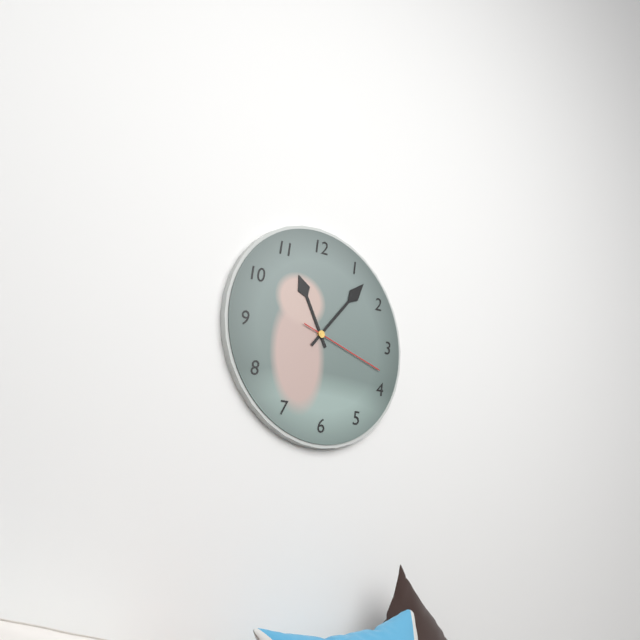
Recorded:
11.07.18
